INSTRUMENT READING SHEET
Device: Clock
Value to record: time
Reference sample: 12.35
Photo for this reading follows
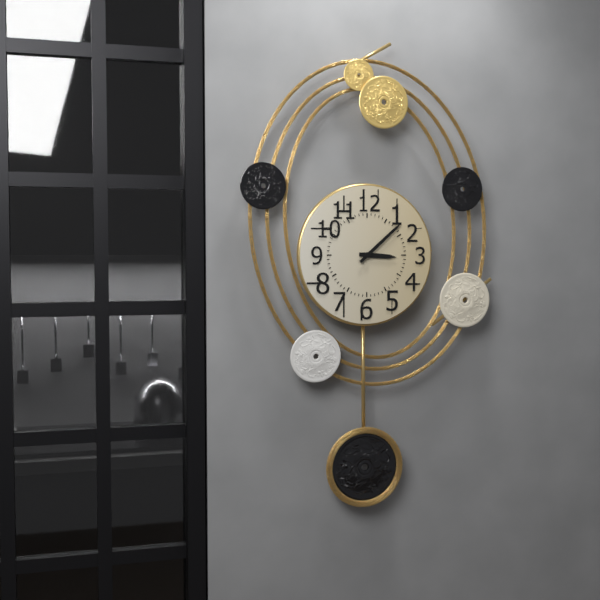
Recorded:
3.08
